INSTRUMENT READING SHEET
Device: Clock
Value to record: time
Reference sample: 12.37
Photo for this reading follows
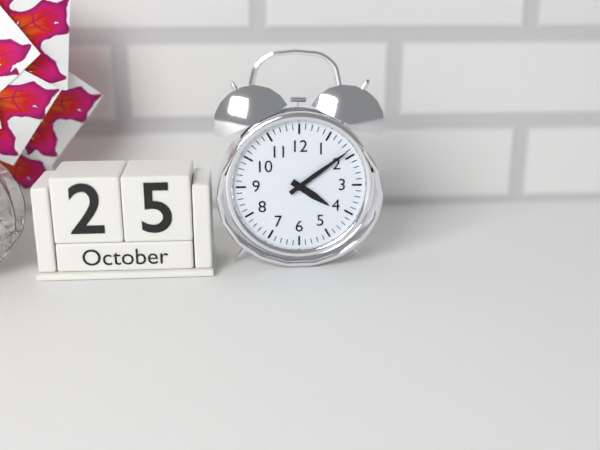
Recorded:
4.09
